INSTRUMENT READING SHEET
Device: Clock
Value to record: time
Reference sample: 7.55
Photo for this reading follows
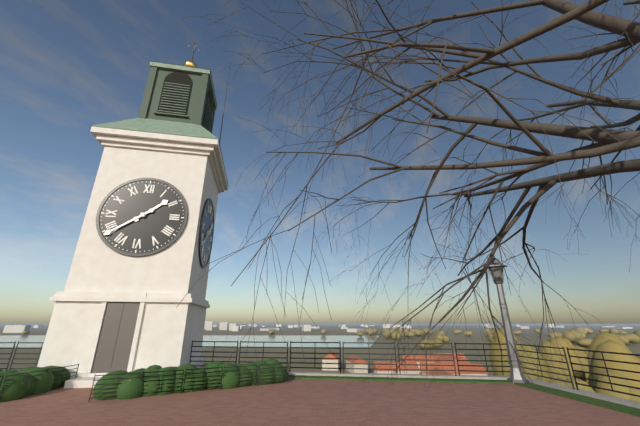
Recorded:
1.39
